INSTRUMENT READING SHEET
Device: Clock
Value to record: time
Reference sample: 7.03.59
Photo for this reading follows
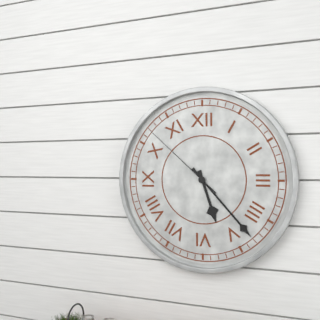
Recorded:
5.23.52
